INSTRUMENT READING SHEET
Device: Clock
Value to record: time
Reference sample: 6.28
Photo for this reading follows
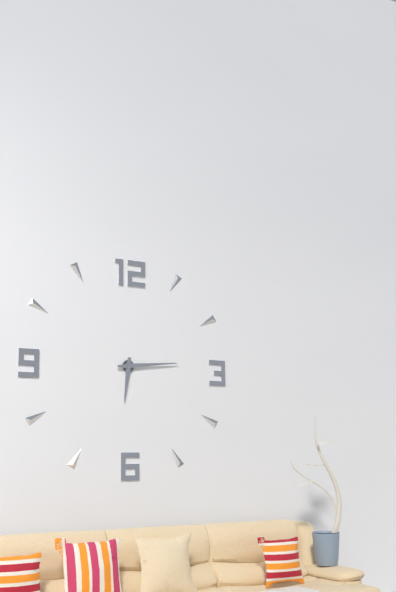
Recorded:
6.14
